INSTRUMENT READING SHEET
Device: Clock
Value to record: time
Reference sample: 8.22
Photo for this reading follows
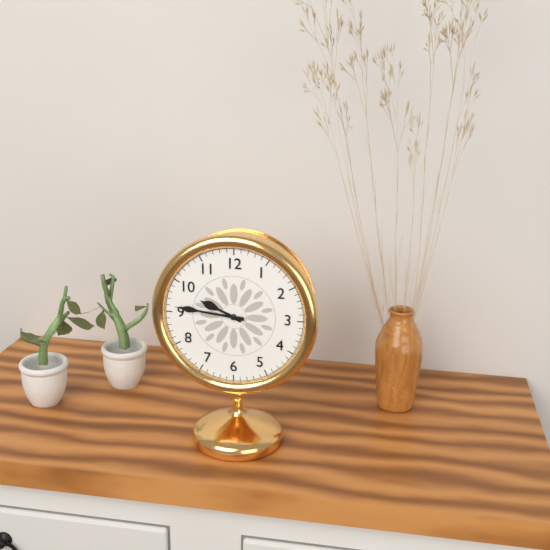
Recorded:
9.46
